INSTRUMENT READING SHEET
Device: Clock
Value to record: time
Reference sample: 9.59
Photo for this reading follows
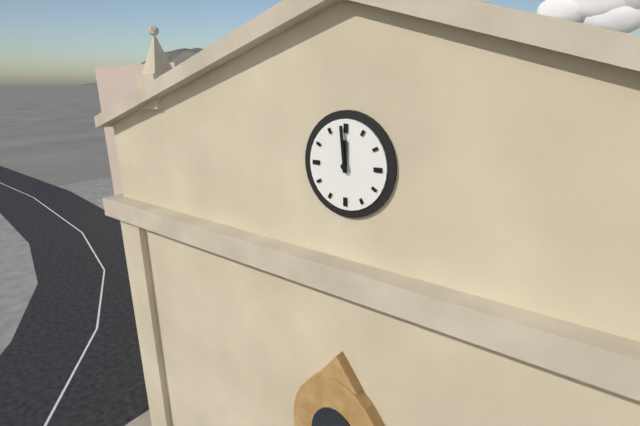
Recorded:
11.59
